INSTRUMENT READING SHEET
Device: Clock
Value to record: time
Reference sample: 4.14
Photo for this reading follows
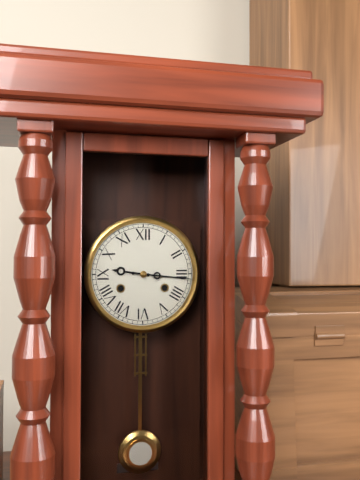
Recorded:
9.16
